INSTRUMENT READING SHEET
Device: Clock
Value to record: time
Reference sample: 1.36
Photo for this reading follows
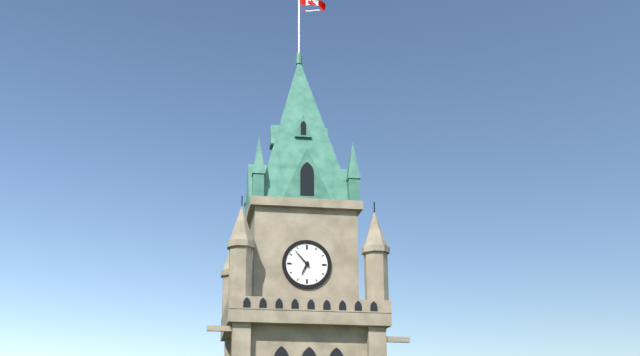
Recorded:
6.53
